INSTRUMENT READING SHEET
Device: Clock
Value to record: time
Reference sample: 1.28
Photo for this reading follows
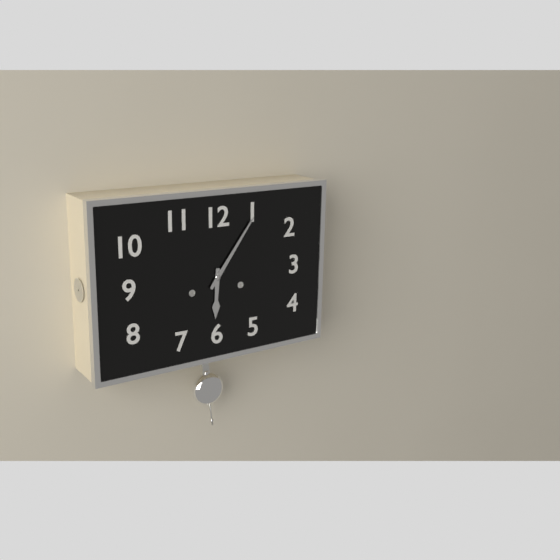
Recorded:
6.06
